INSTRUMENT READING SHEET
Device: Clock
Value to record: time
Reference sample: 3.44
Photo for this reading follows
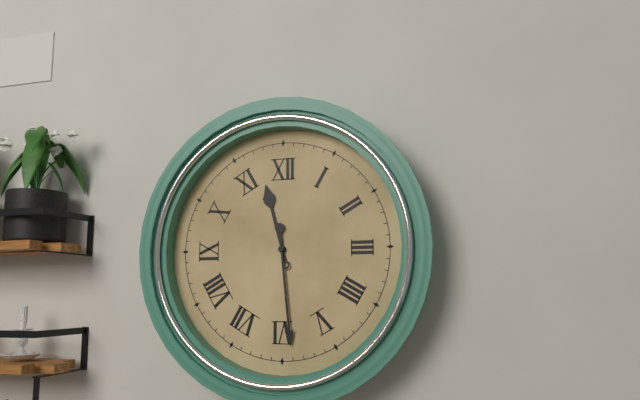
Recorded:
11.29
